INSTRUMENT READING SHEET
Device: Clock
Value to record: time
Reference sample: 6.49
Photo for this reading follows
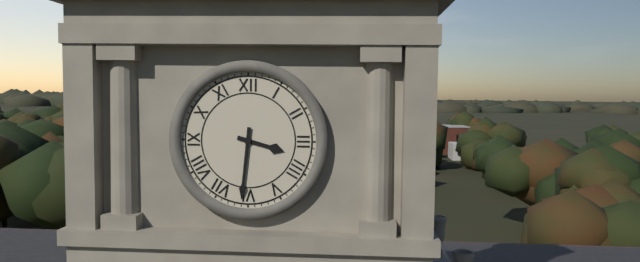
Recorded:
3.31
